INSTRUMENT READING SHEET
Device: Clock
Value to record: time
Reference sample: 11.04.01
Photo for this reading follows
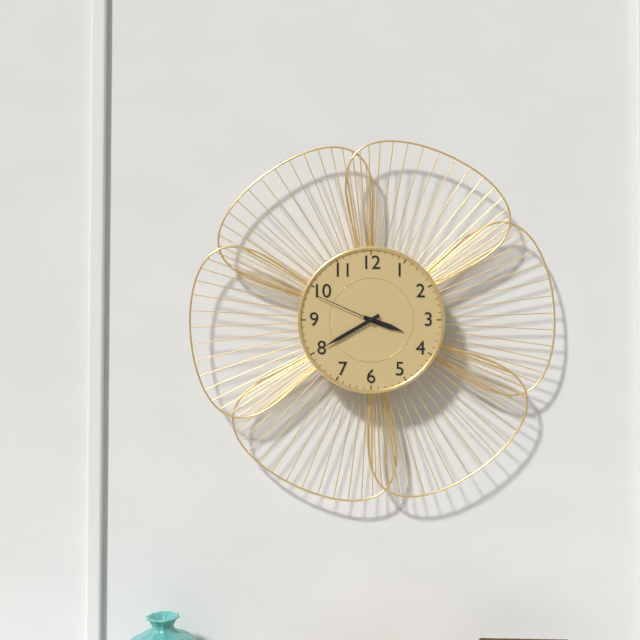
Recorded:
3.40.49
